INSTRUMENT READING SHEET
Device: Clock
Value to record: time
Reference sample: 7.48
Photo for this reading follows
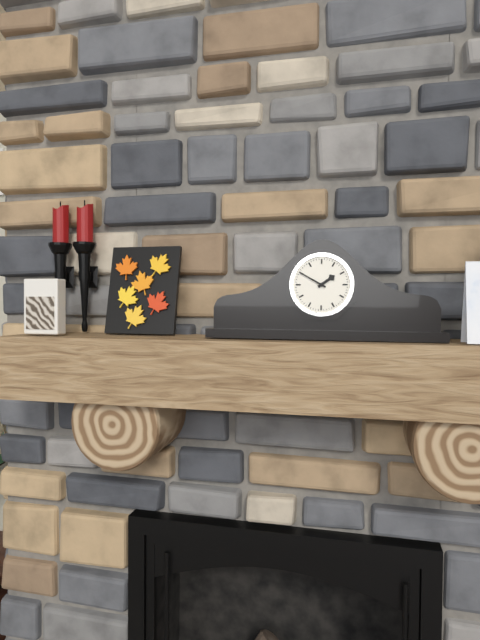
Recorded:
1.50
